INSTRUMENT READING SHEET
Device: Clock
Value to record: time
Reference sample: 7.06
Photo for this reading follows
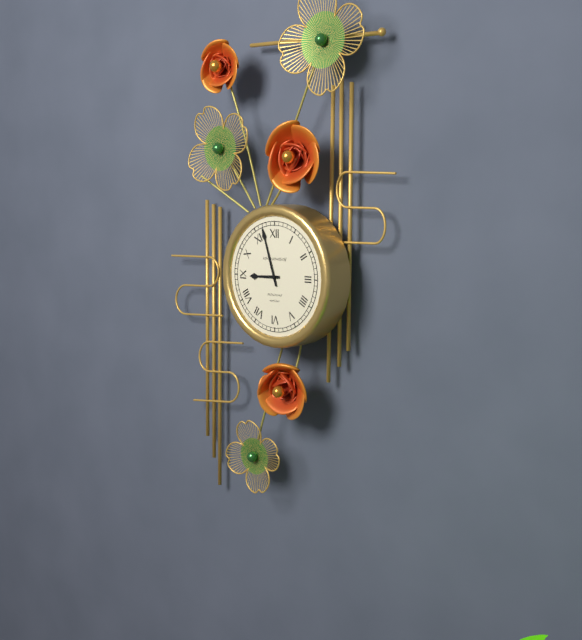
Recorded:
8.57
